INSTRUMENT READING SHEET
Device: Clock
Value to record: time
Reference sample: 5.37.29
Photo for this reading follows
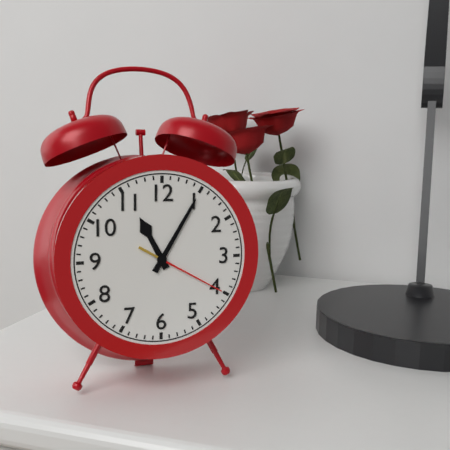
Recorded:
11.05.20
